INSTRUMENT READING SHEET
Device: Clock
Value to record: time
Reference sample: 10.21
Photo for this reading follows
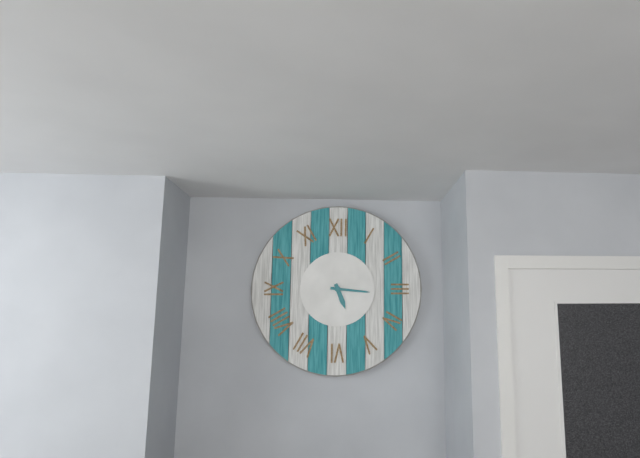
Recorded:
5.16
